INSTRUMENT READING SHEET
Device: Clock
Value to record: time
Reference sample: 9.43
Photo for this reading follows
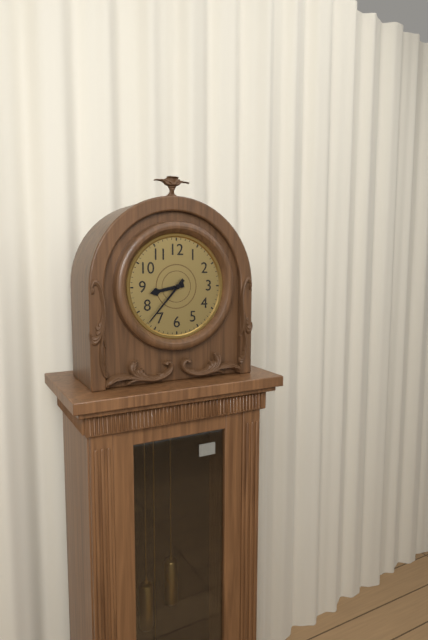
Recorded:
8.37
